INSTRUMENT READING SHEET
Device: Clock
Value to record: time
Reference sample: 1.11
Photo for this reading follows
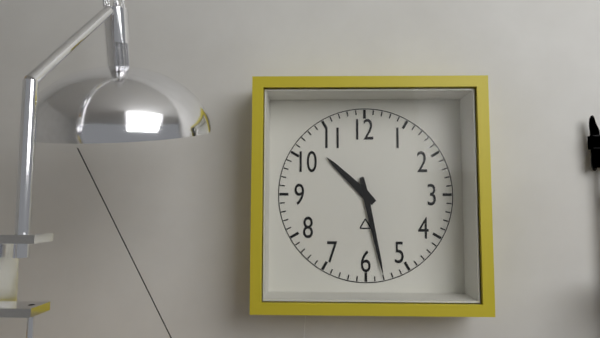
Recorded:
10.28
